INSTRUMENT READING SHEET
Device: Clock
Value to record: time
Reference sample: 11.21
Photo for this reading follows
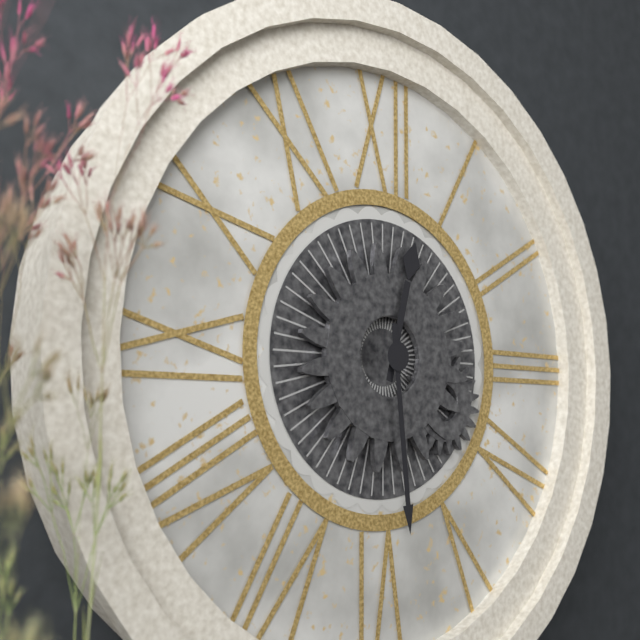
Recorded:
12.29
